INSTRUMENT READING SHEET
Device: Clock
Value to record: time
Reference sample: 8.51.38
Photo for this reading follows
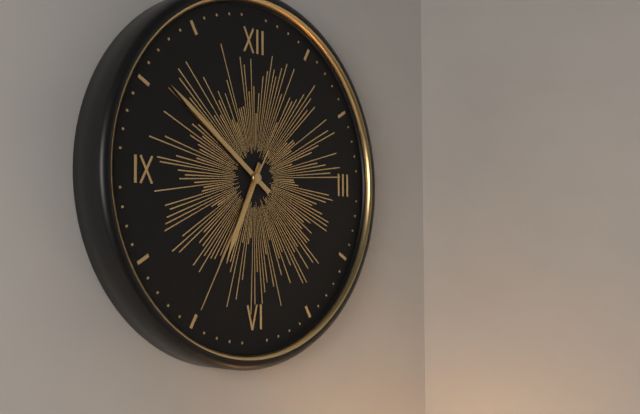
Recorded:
6.51.35
